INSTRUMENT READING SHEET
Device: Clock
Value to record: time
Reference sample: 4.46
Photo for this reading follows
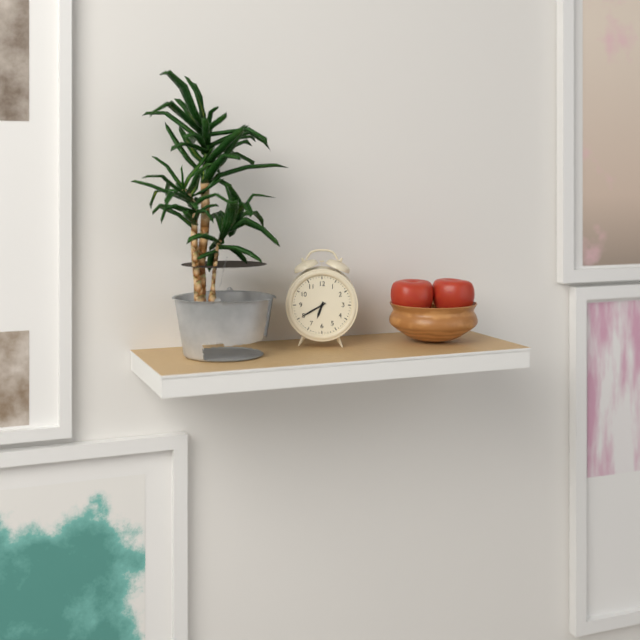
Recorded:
6.40
